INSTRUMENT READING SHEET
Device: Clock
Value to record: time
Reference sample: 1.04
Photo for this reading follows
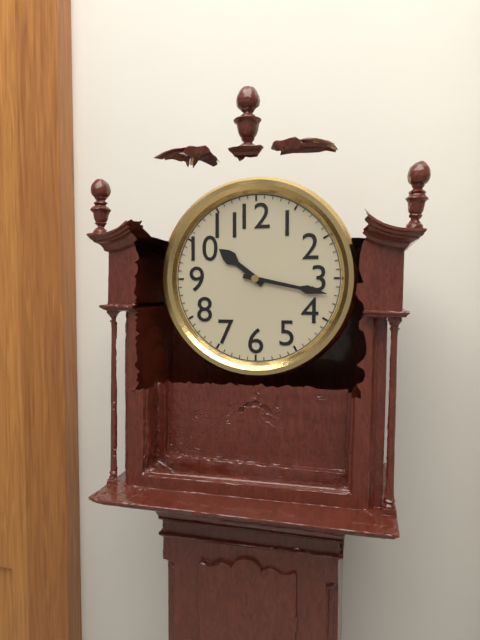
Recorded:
10.17
